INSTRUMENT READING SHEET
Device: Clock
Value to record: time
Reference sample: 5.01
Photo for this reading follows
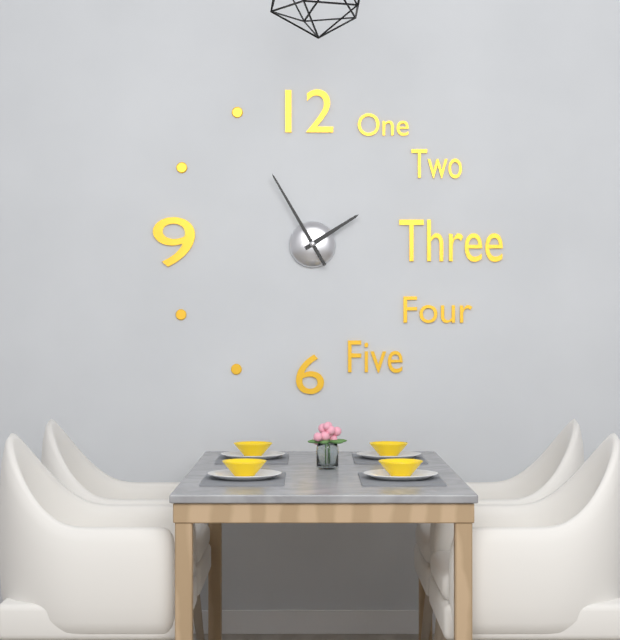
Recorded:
1.55
